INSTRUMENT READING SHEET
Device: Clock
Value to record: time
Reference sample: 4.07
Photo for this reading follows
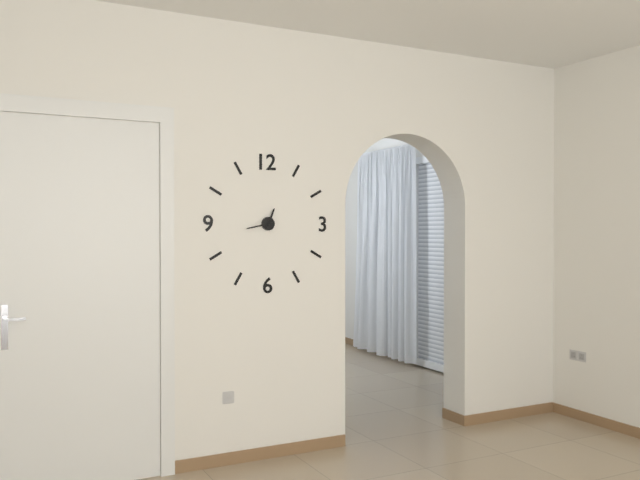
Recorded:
12.43
